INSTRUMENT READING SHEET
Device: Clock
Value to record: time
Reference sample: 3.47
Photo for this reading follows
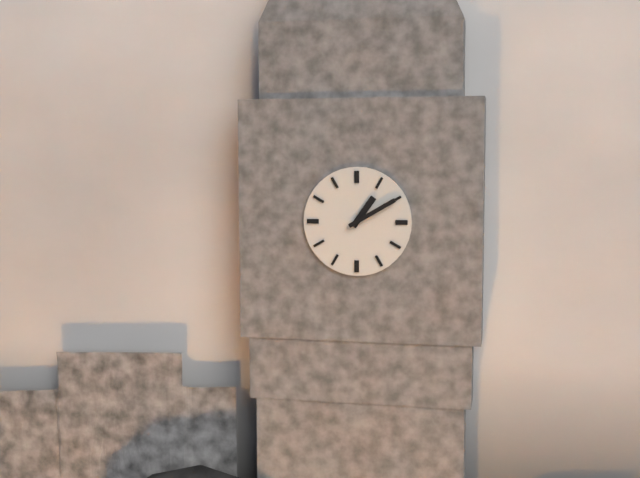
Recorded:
1.10
